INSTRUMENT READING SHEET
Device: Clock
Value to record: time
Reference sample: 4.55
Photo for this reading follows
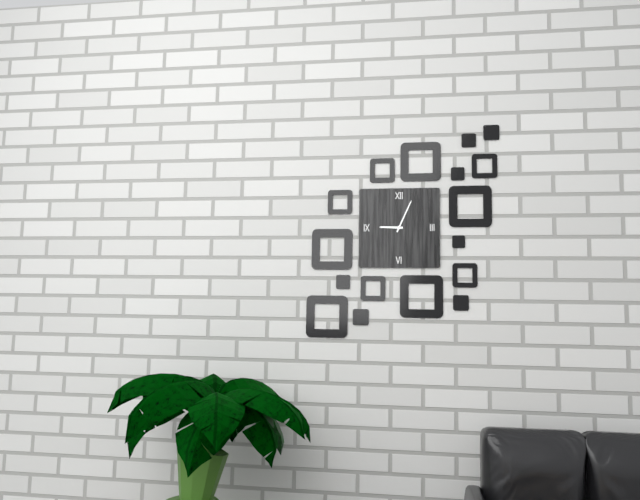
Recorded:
9.04
